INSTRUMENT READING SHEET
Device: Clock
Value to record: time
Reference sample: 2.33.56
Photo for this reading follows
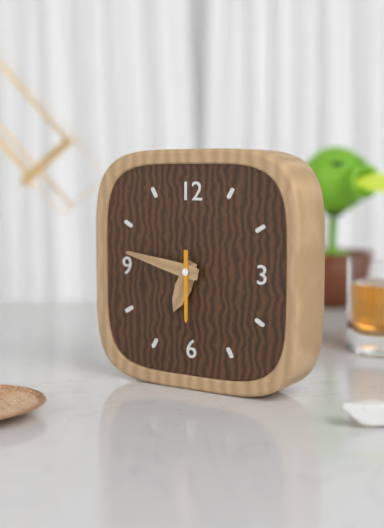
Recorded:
6.47.30
